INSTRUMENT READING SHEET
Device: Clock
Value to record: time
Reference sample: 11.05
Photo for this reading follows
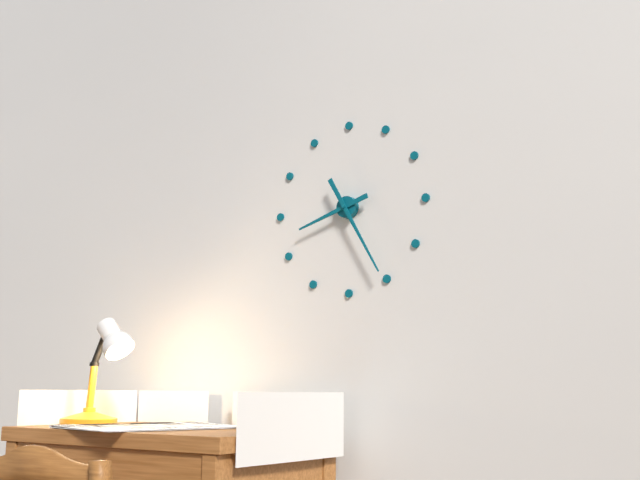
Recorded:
8.25
